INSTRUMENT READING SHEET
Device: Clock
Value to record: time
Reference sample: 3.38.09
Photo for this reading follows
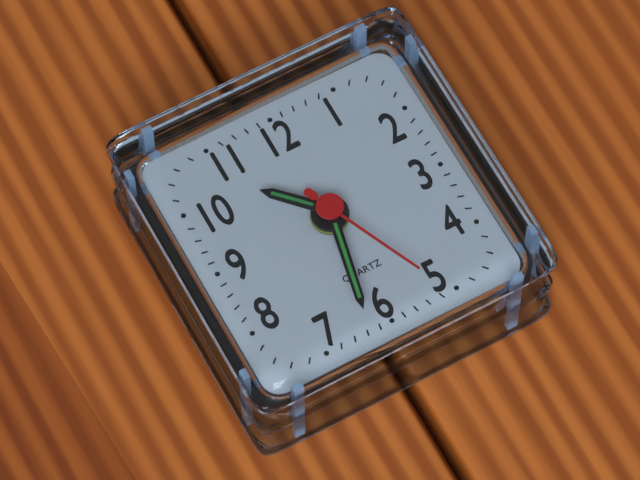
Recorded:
10.32.26
